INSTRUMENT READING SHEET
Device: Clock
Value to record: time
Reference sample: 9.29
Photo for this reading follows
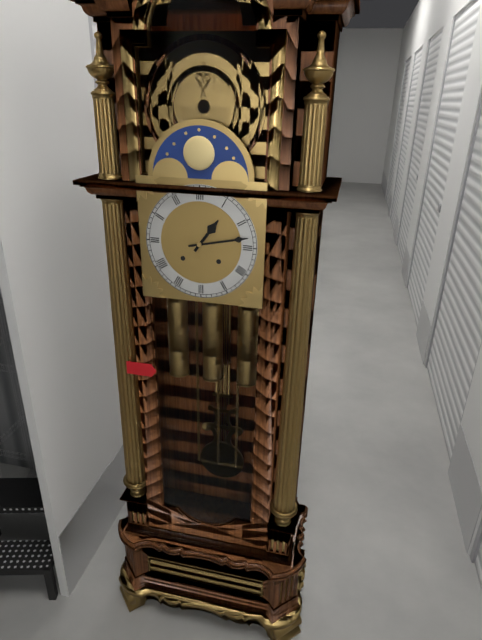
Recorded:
1.13
